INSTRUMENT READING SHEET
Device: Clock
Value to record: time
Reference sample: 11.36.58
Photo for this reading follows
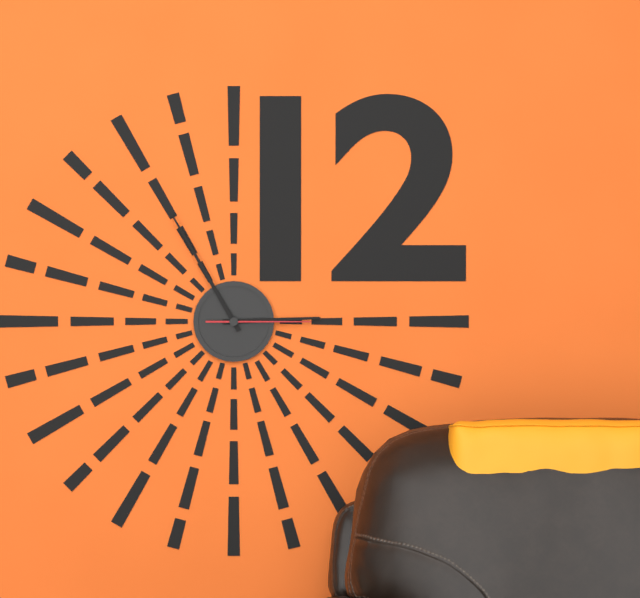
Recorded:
2.55.15
